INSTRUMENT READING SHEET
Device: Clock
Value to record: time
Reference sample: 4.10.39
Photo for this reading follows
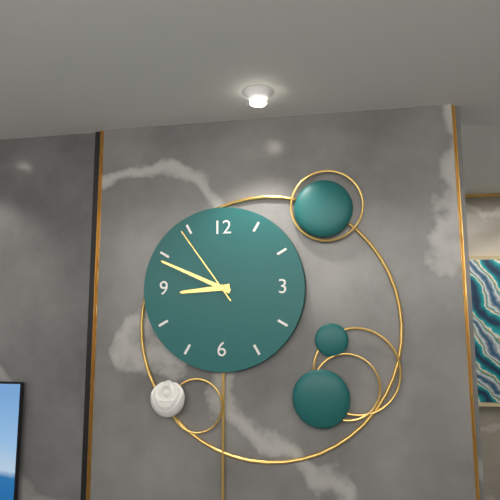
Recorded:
8.49.54
